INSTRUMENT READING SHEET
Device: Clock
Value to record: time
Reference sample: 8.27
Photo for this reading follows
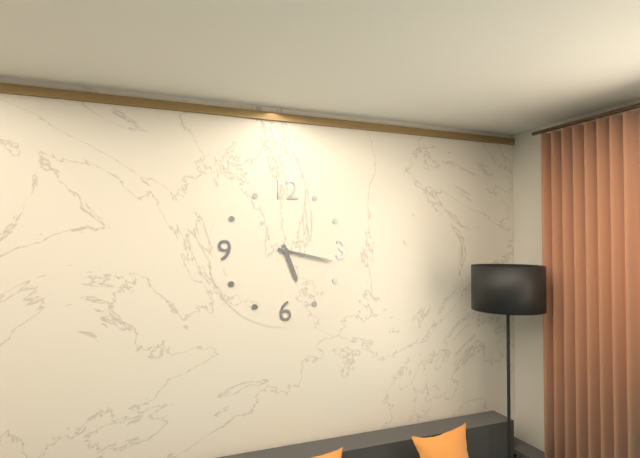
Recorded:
5.17
